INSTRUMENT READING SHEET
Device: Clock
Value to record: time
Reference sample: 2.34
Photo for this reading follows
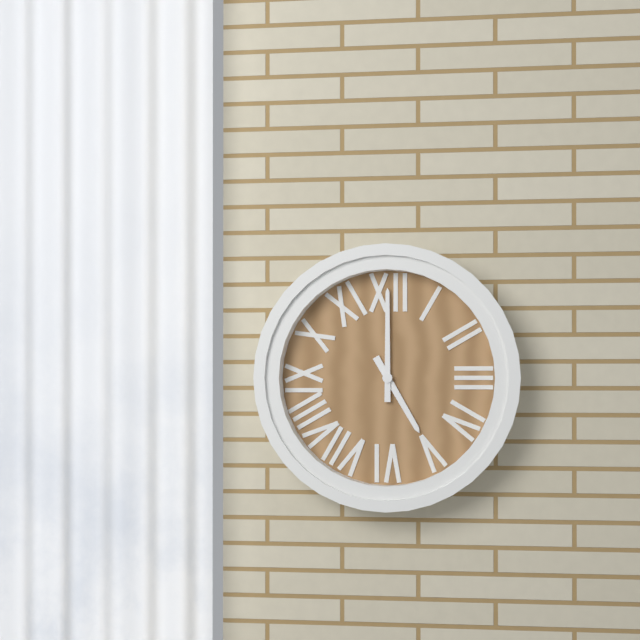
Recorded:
5.00
